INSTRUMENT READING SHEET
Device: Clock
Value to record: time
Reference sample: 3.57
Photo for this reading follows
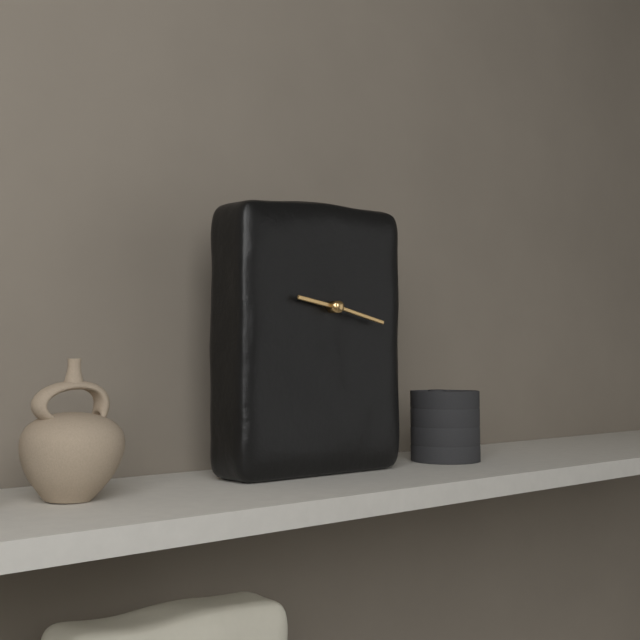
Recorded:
9.17
